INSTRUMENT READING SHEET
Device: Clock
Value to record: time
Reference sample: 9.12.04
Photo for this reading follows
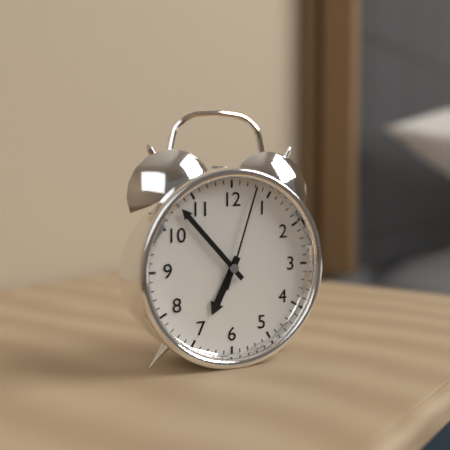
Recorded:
6.53.03
